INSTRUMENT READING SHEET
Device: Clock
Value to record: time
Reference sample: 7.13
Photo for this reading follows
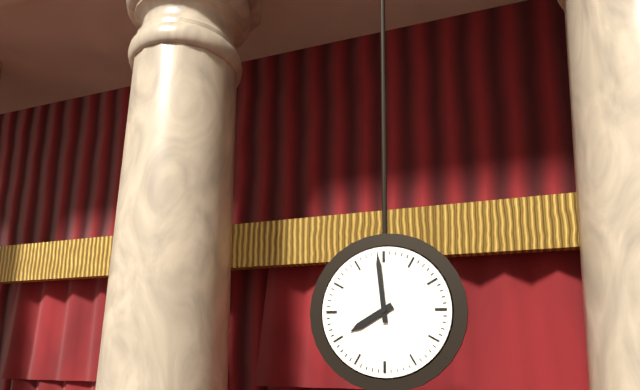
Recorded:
7.59
